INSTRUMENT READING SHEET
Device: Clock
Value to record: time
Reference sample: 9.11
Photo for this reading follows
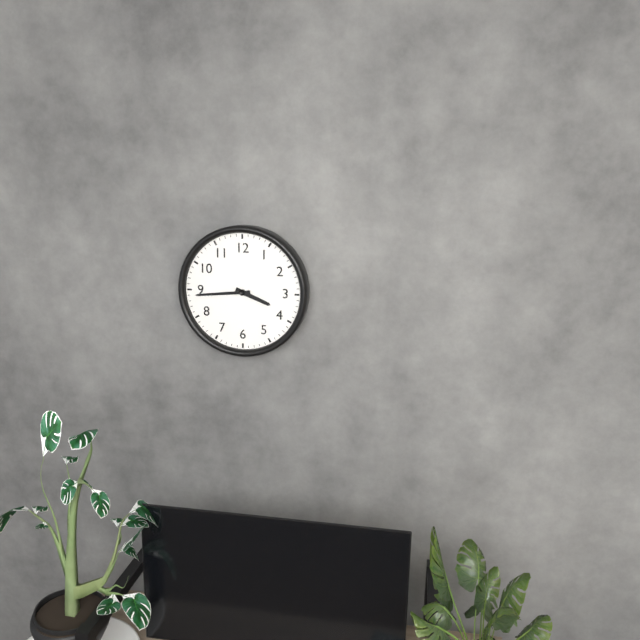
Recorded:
3.44
